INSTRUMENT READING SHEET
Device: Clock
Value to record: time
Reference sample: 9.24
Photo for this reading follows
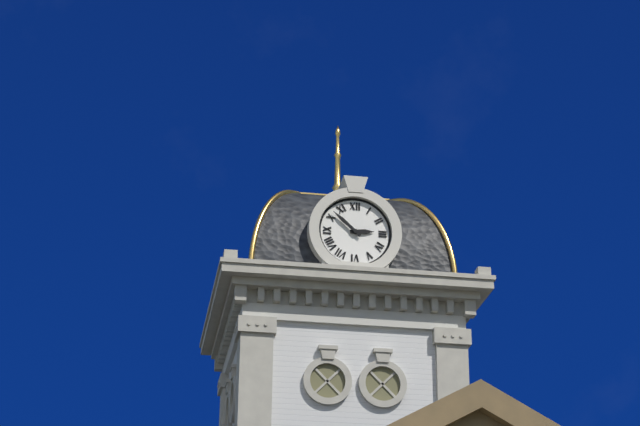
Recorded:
2.52
